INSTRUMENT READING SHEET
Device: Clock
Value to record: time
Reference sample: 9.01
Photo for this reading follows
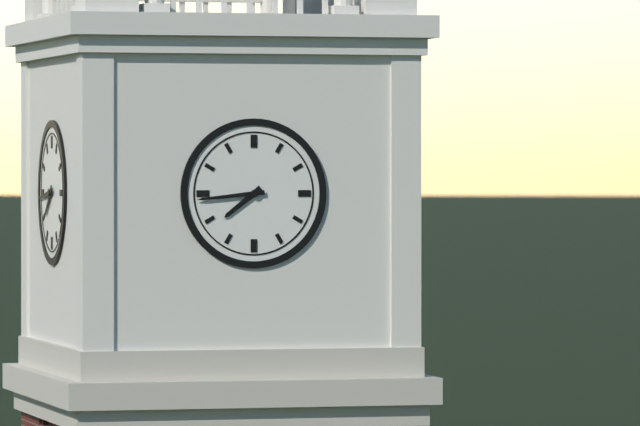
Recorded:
7.44
